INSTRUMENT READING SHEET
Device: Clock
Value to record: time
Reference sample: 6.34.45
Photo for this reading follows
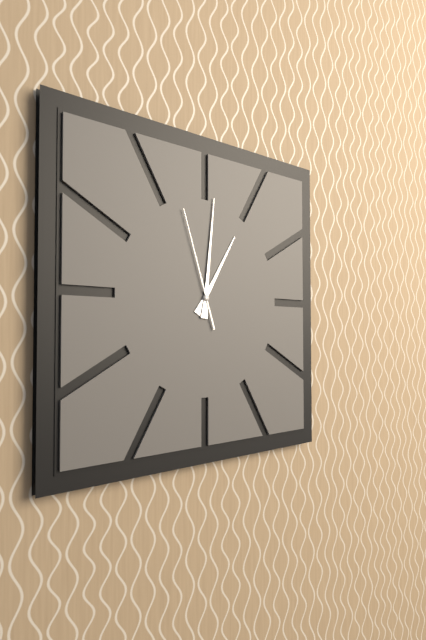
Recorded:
1.01.57
